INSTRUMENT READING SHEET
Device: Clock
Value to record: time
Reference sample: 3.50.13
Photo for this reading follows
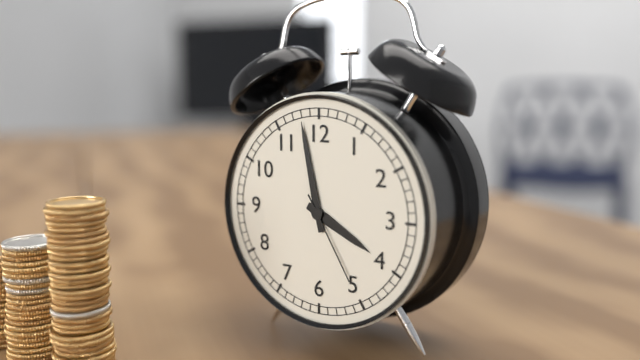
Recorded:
3.58.25
